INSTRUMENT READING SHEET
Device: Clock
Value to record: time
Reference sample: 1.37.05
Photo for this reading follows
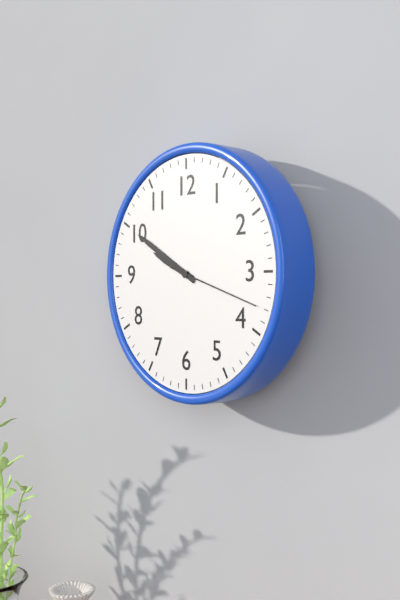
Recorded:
9.50.18
